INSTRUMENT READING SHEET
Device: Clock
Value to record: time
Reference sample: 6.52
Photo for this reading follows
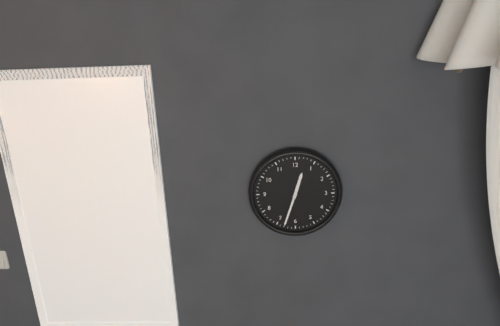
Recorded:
12.33
